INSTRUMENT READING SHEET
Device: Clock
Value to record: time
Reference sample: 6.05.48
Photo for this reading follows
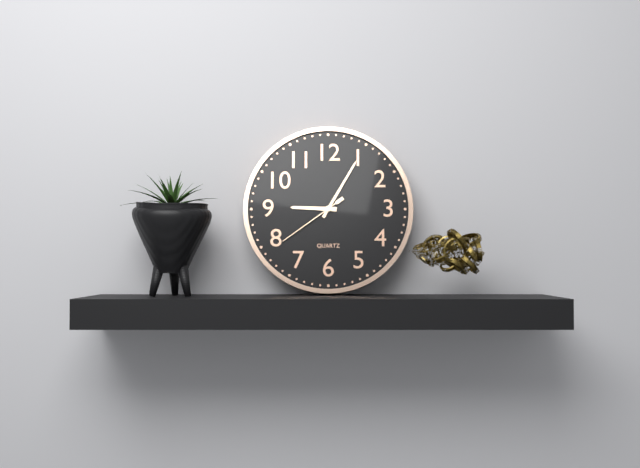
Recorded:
9.05.39
